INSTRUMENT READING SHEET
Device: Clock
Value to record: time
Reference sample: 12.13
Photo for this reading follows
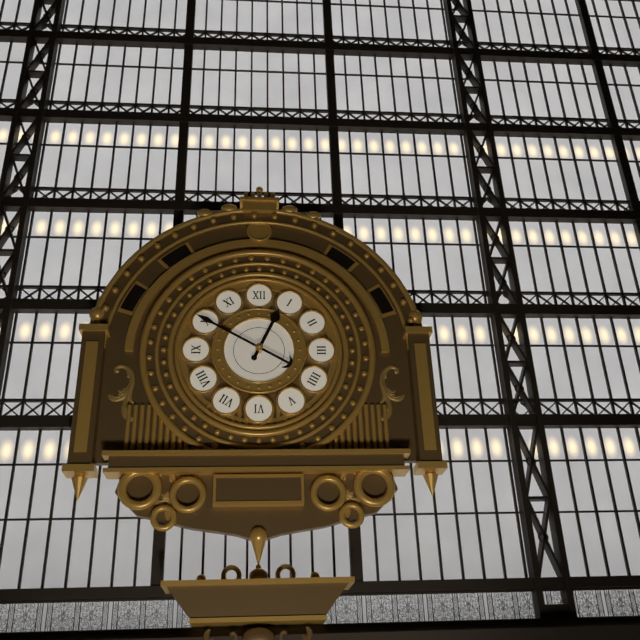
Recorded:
12.50
